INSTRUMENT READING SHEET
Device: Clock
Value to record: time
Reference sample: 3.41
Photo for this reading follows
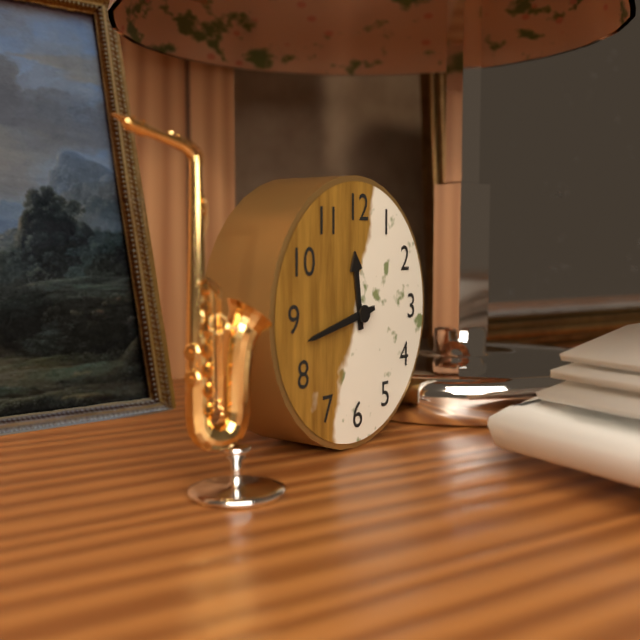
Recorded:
11.43
